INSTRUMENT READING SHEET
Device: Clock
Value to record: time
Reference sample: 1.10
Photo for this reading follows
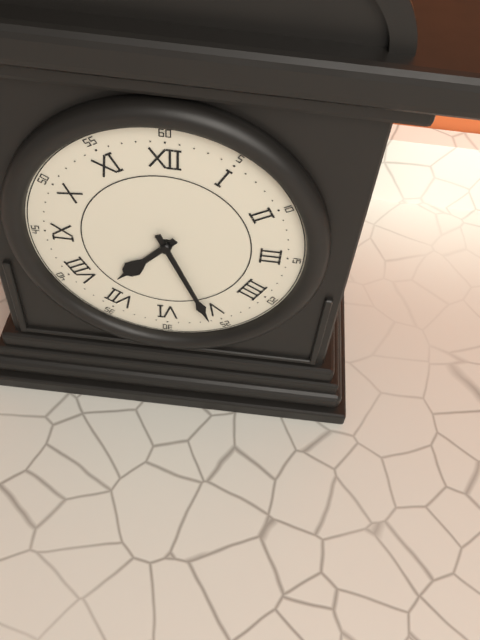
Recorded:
7.26
